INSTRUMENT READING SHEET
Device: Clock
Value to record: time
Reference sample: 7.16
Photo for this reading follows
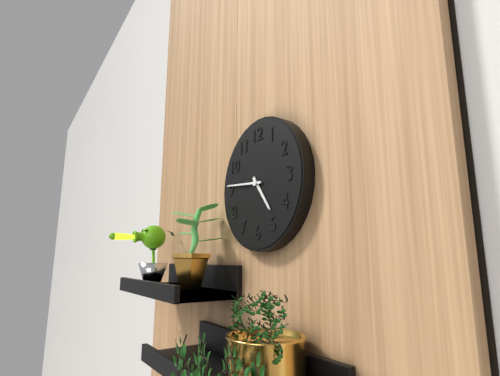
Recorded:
4.46
